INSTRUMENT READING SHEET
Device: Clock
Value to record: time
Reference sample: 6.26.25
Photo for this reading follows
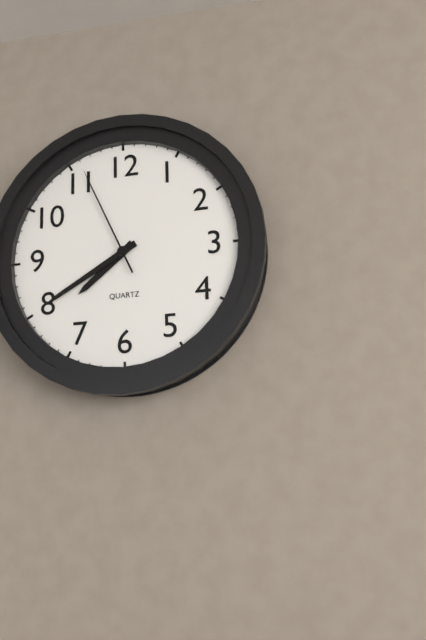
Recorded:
7.40.56
